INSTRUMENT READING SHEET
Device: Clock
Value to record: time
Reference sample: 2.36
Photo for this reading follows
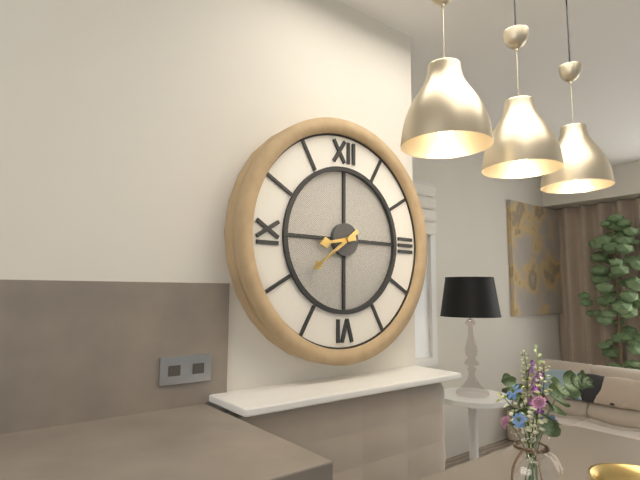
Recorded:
8.39
